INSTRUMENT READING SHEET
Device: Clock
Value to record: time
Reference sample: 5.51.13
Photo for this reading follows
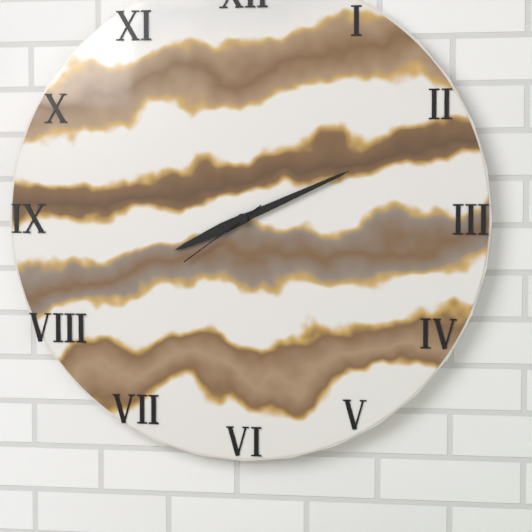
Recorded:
8.11.39
